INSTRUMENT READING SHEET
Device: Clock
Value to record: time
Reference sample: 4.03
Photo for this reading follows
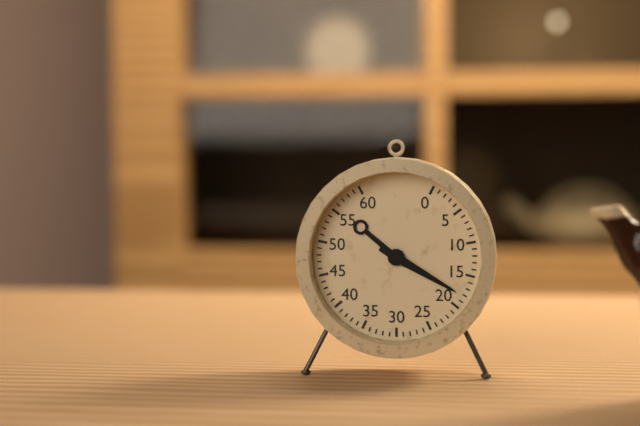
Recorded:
10.20
